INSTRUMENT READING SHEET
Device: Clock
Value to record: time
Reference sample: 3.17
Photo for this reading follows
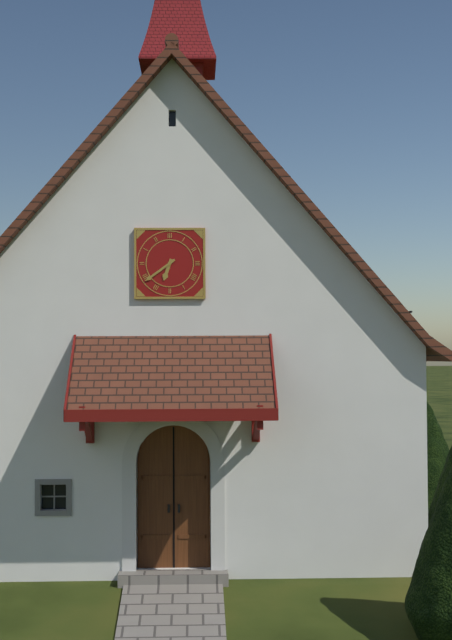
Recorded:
6.39
